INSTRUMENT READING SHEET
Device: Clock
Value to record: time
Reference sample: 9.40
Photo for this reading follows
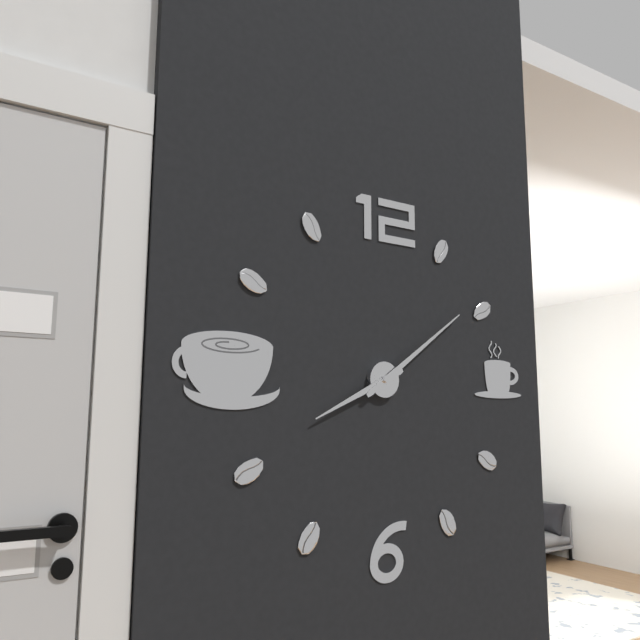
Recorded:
8.09
